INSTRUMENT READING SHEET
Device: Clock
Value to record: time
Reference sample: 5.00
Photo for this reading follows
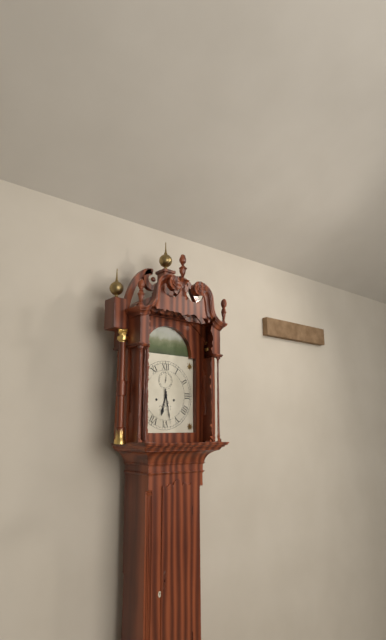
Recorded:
6.28
